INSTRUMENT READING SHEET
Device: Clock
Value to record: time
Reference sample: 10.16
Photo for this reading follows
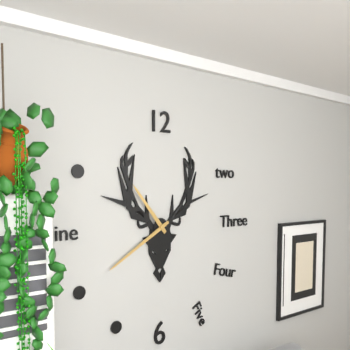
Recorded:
10.40
